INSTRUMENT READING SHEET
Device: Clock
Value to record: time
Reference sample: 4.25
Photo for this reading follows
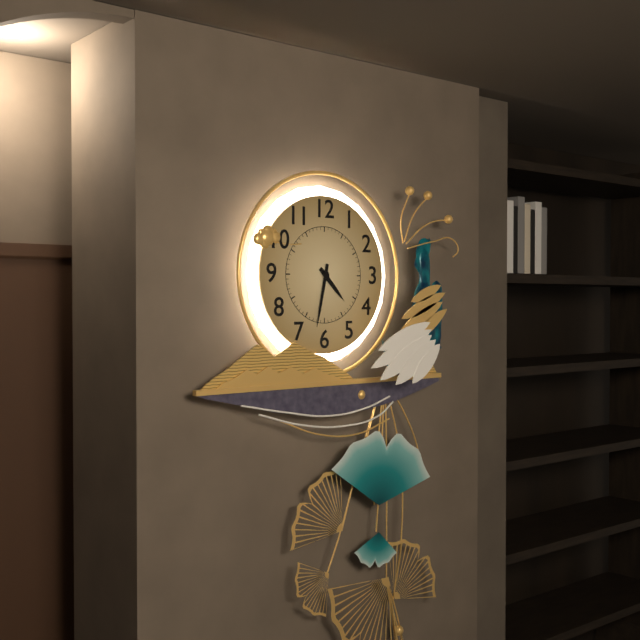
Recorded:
4.32
